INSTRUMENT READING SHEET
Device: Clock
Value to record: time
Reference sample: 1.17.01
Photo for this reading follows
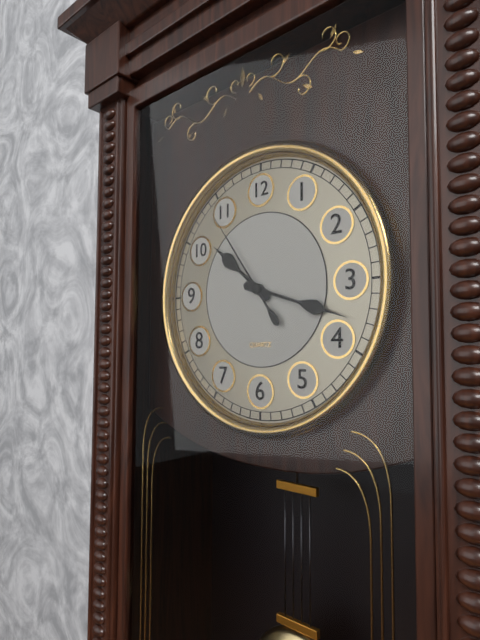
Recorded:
10.18.54
